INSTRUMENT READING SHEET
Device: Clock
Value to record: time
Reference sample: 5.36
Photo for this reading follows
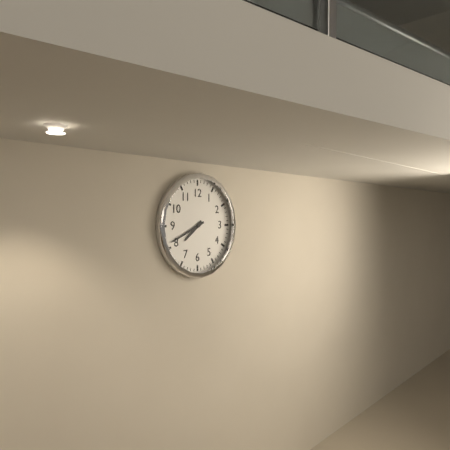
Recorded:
7.41
